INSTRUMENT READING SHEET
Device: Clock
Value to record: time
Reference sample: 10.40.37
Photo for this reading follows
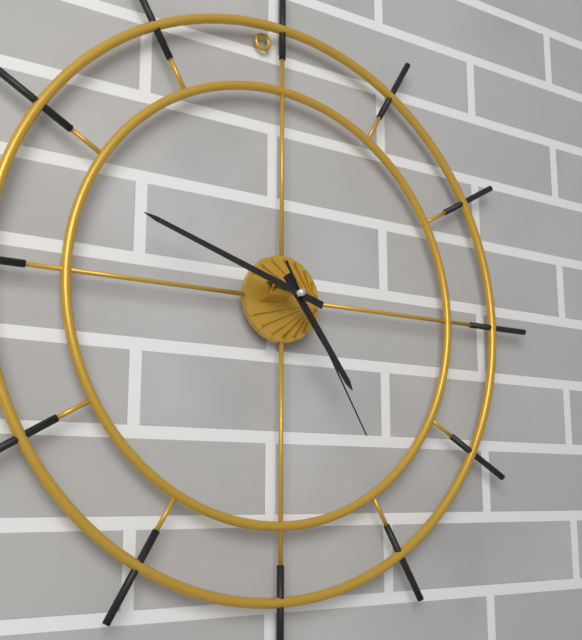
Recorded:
4.48.25
